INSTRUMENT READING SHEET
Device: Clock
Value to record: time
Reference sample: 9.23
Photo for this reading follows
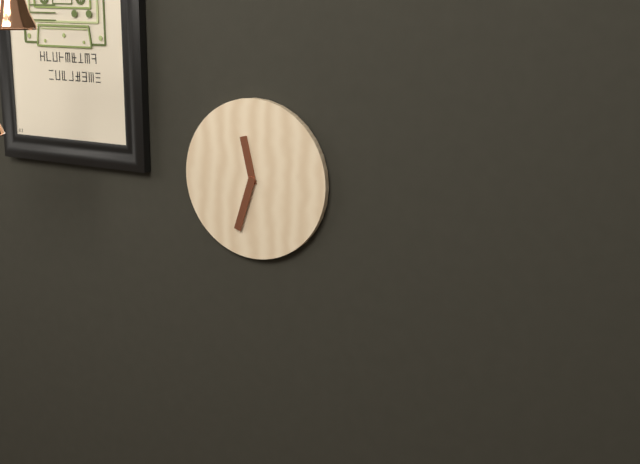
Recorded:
11.33
